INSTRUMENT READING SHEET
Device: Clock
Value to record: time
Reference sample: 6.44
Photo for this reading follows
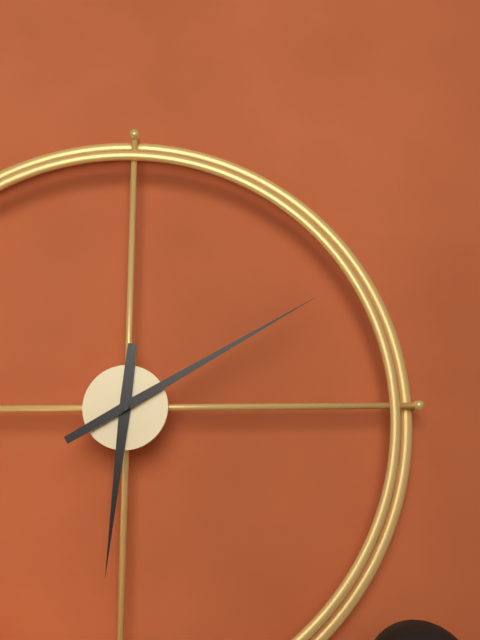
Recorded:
6.10
